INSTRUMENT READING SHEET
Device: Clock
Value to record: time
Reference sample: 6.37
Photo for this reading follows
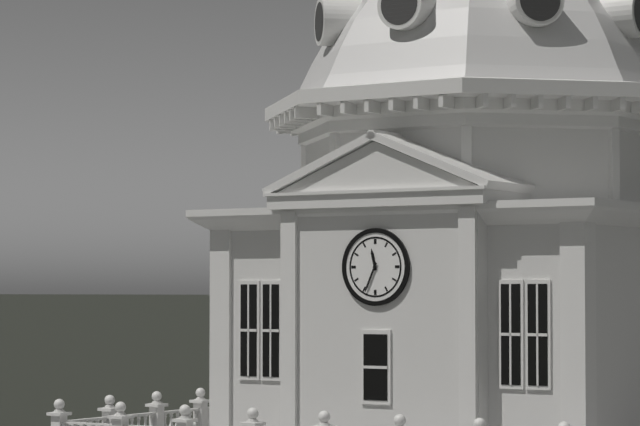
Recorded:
11.34
